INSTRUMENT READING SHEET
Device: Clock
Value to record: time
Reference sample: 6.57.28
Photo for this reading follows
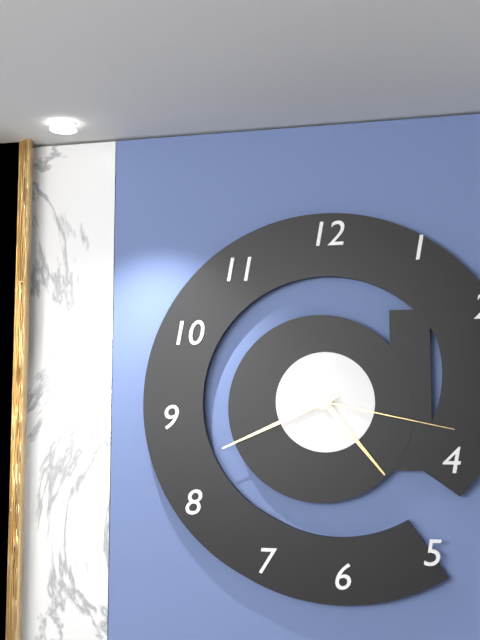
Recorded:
4.41.17
